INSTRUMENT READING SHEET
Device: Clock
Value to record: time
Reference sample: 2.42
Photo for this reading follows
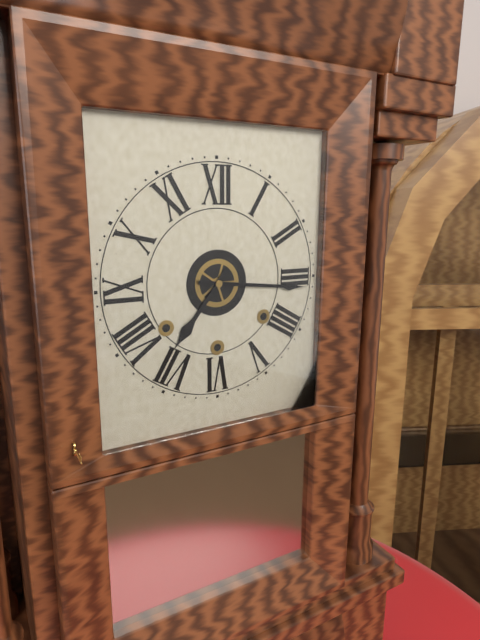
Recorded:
7.16
